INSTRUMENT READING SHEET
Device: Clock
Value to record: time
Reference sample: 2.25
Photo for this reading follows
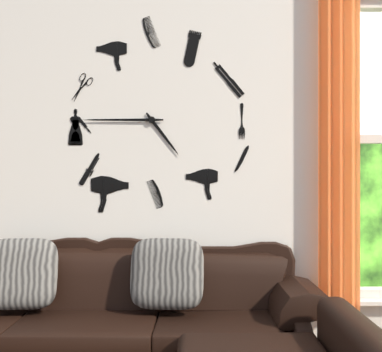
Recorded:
4.45
